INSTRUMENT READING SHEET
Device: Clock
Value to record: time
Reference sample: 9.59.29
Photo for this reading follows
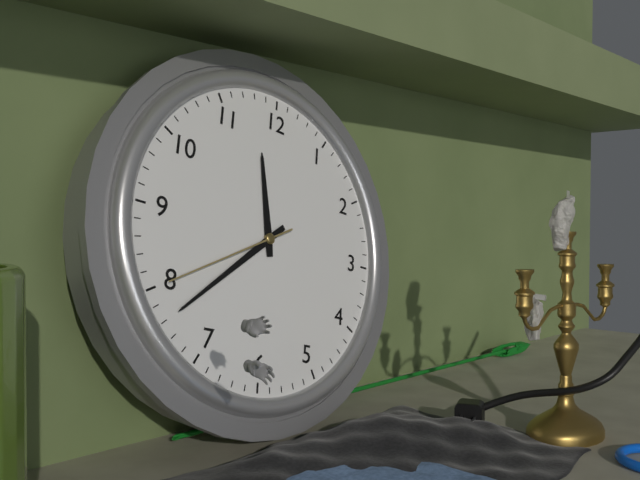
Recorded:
11.38.40
